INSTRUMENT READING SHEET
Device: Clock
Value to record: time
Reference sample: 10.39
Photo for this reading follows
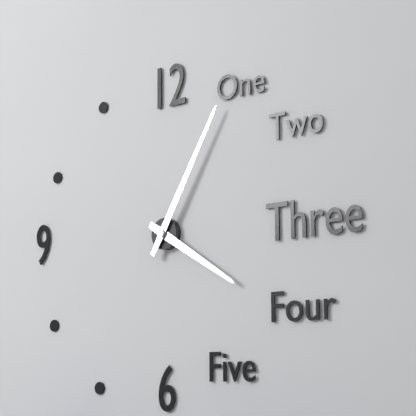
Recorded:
4.05
